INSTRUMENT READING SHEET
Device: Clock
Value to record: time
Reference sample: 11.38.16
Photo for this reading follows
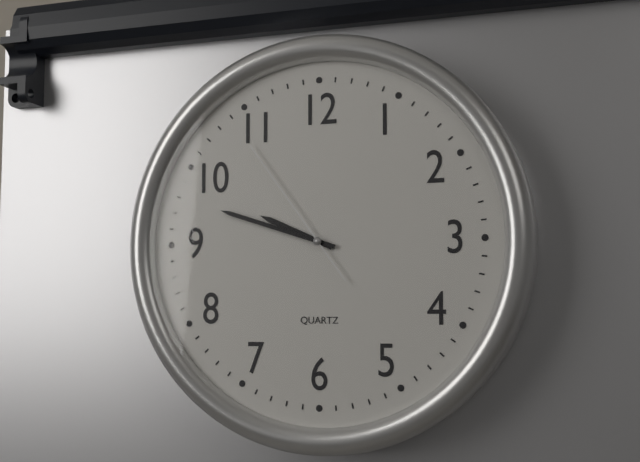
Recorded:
9.48.54
